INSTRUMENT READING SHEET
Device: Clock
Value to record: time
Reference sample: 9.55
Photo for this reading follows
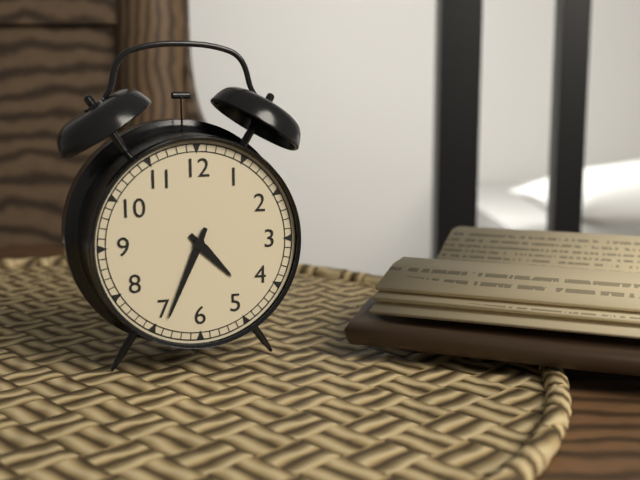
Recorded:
4.34
